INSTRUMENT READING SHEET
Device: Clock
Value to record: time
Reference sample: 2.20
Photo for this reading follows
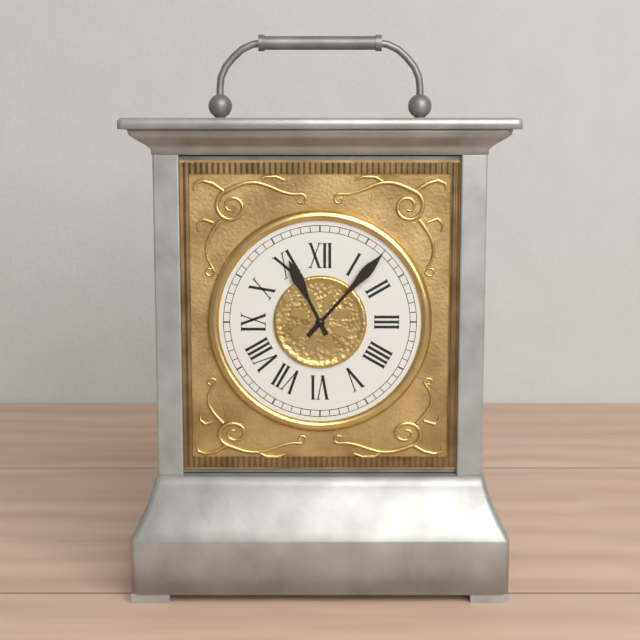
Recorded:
11.07
